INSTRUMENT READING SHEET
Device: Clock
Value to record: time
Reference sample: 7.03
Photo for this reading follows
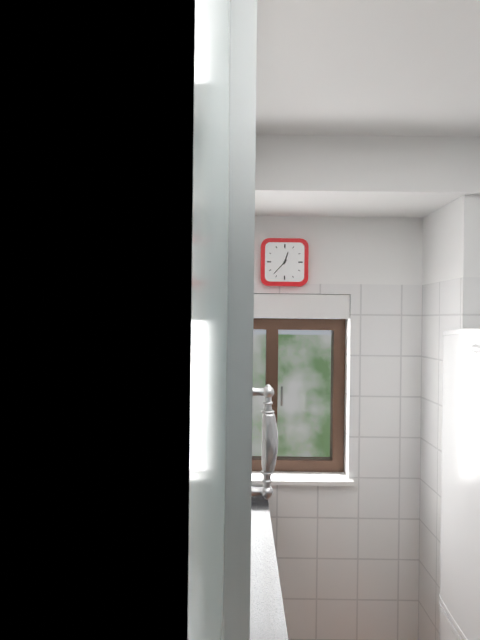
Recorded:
12.37
